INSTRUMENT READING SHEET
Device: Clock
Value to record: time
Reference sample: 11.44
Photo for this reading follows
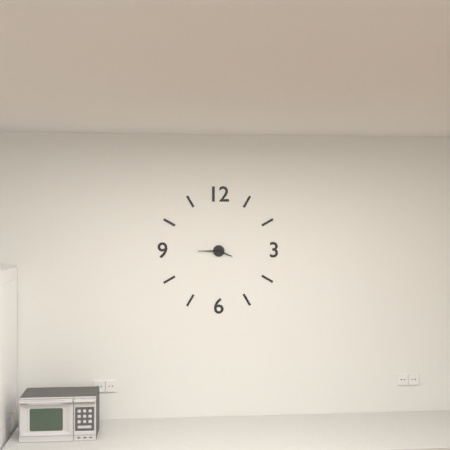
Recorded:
3.45
